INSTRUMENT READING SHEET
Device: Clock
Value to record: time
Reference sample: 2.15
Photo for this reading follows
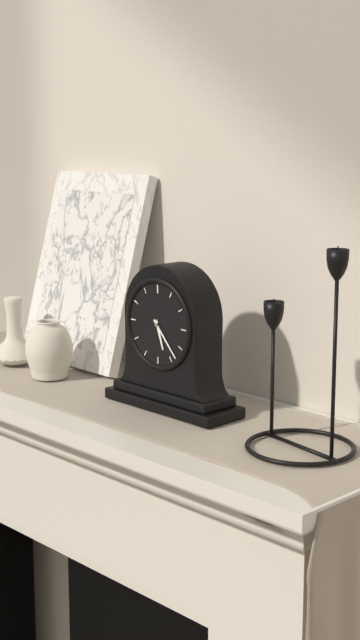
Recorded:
5.23
